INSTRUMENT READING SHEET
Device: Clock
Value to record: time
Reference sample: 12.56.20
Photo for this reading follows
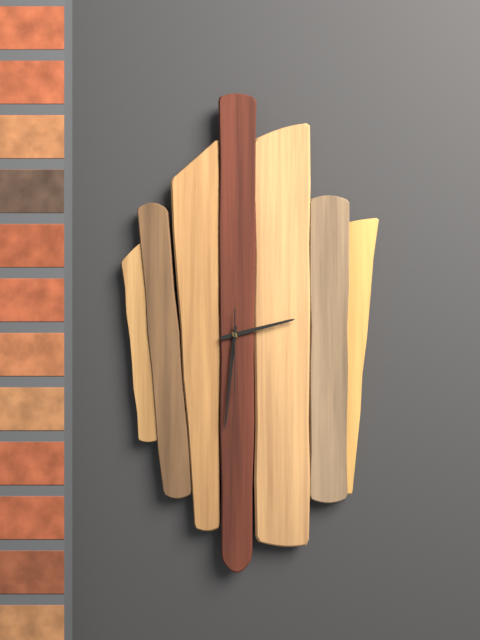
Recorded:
2.31.30
